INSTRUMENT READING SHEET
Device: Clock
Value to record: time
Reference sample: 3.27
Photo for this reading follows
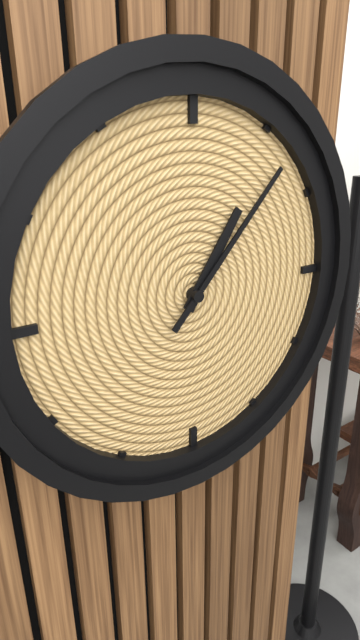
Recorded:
1.07
